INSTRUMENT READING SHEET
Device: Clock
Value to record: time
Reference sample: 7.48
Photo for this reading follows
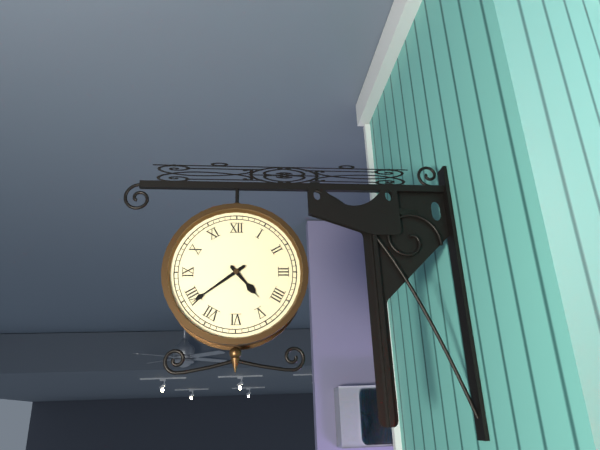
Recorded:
4.39
